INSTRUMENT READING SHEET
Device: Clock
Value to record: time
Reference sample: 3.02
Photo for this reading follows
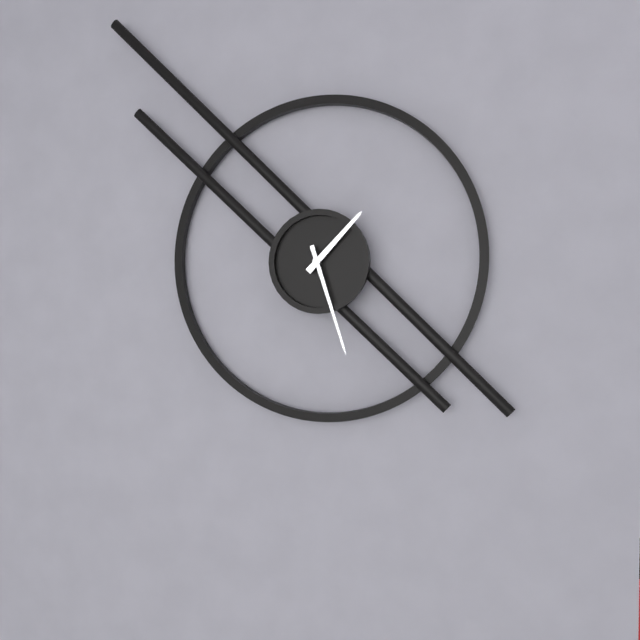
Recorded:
1.27
